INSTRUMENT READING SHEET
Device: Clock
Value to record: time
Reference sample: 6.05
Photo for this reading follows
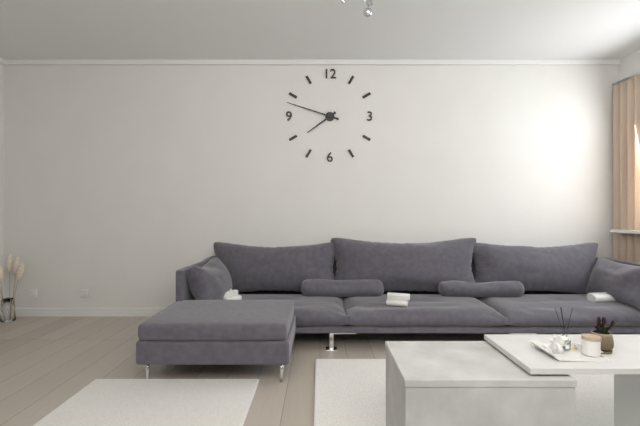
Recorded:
7.48
